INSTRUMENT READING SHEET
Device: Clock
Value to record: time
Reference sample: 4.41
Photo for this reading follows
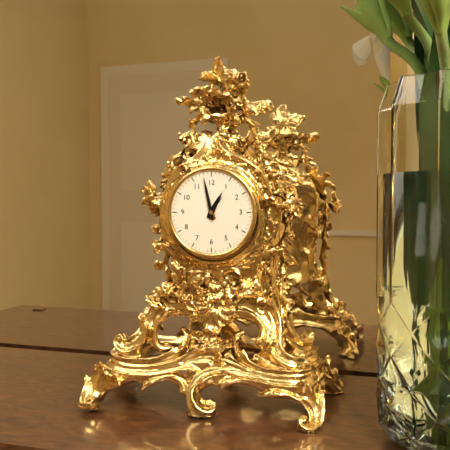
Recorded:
12.58
